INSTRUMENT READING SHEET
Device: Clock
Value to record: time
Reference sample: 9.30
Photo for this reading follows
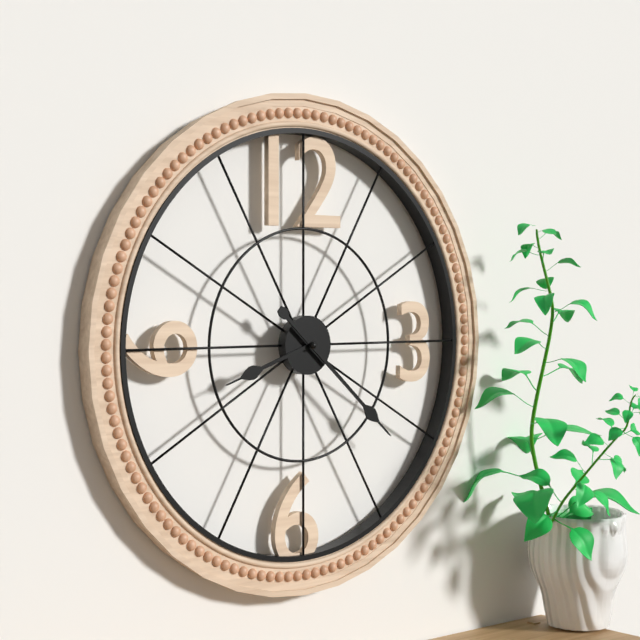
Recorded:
8.22
